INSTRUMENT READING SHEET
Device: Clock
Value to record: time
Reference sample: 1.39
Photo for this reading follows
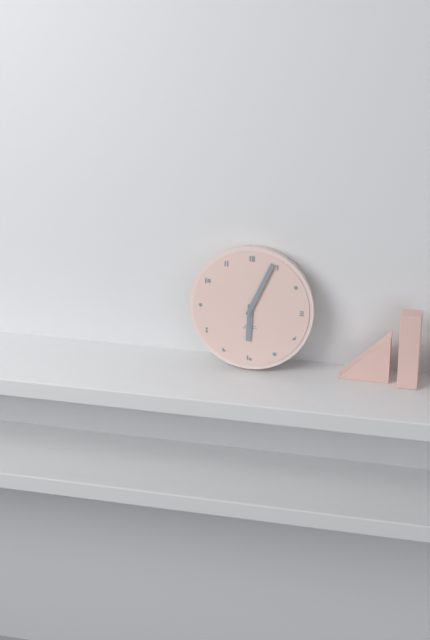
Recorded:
6.04
